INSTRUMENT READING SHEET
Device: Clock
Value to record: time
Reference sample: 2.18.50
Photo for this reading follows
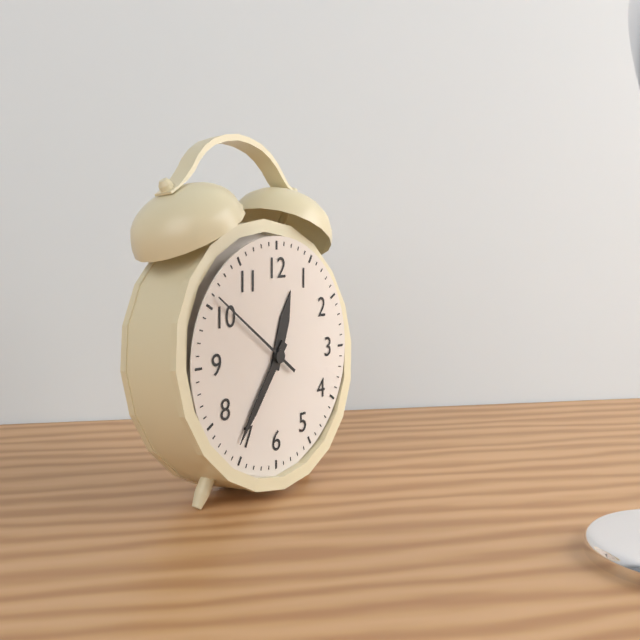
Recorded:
12.36.51
